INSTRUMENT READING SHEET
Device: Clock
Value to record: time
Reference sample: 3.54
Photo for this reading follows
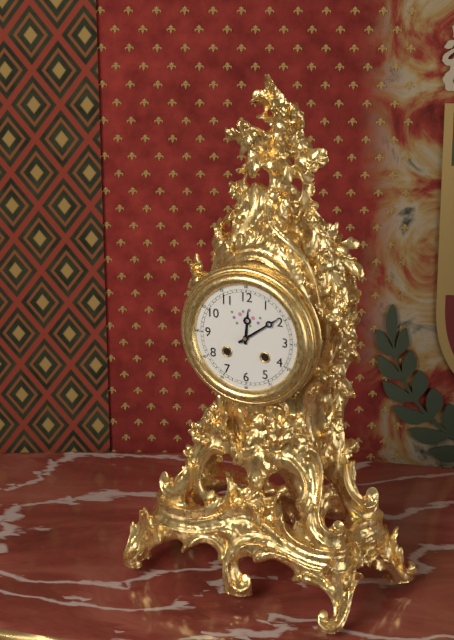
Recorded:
12.09
